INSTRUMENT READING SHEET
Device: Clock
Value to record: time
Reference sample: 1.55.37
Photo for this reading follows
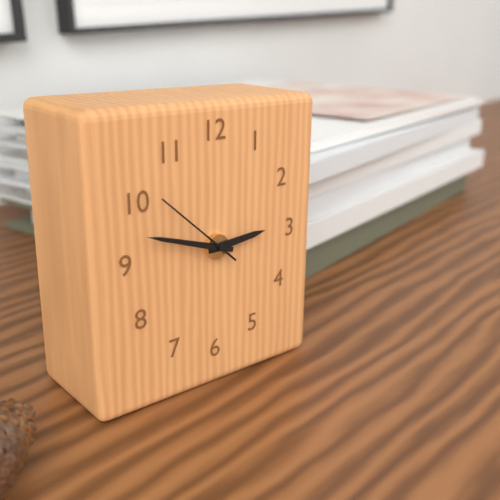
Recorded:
2.48.52
